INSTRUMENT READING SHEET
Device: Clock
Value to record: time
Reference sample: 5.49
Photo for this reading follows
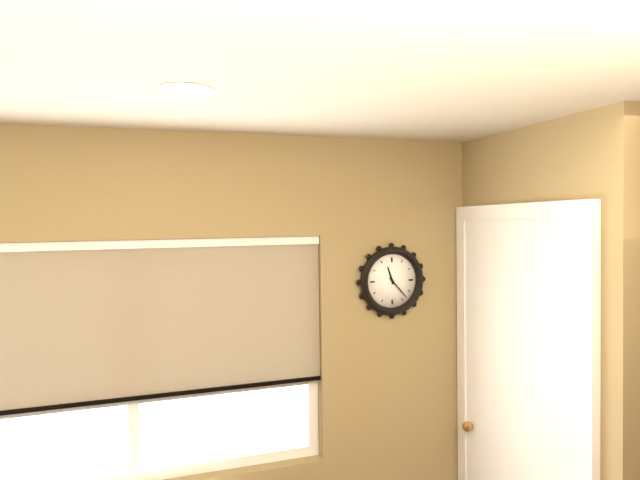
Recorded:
11.23
